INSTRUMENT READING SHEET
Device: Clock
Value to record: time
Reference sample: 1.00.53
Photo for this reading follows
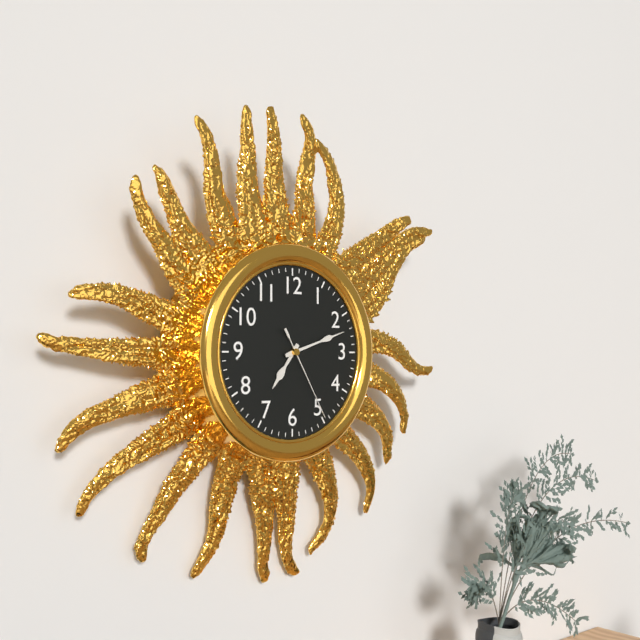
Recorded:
7.12.25
